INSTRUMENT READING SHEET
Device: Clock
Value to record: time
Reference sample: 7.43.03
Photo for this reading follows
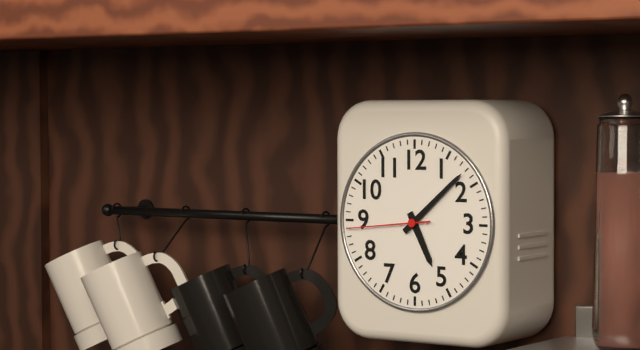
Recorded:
5.08.44
